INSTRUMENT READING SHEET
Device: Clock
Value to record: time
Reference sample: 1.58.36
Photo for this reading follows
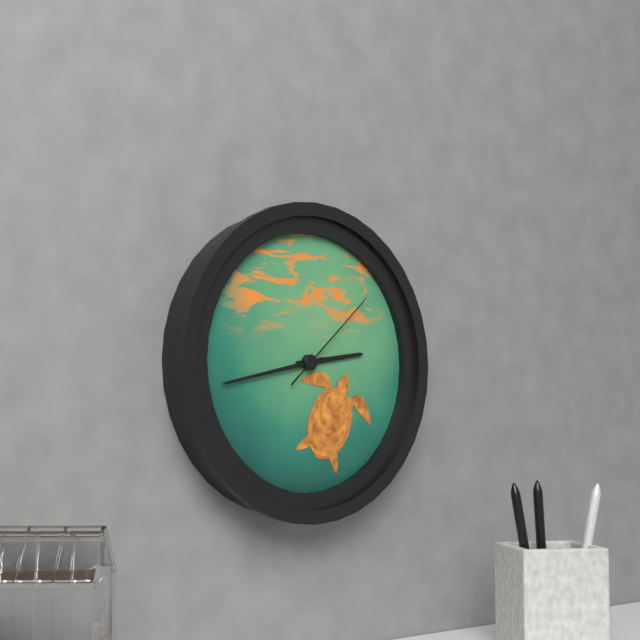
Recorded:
2.43.08
